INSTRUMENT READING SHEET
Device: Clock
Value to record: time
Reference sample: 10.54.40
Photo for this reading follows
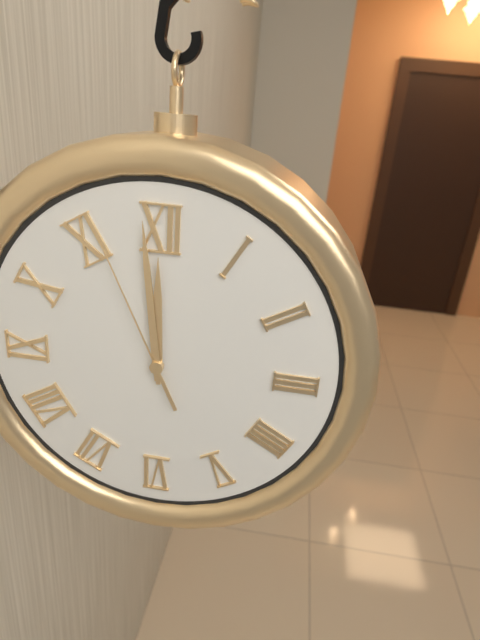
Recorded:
11.59.56
